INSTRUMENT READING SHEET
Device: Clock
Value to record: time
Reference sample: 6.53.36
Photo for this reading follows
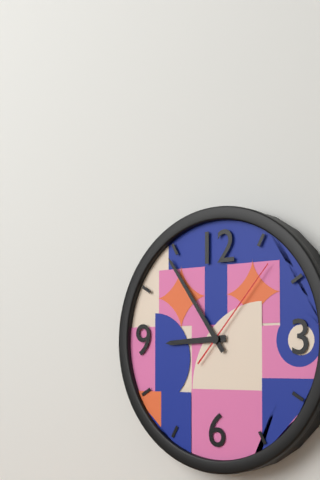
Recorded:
8.54.07
